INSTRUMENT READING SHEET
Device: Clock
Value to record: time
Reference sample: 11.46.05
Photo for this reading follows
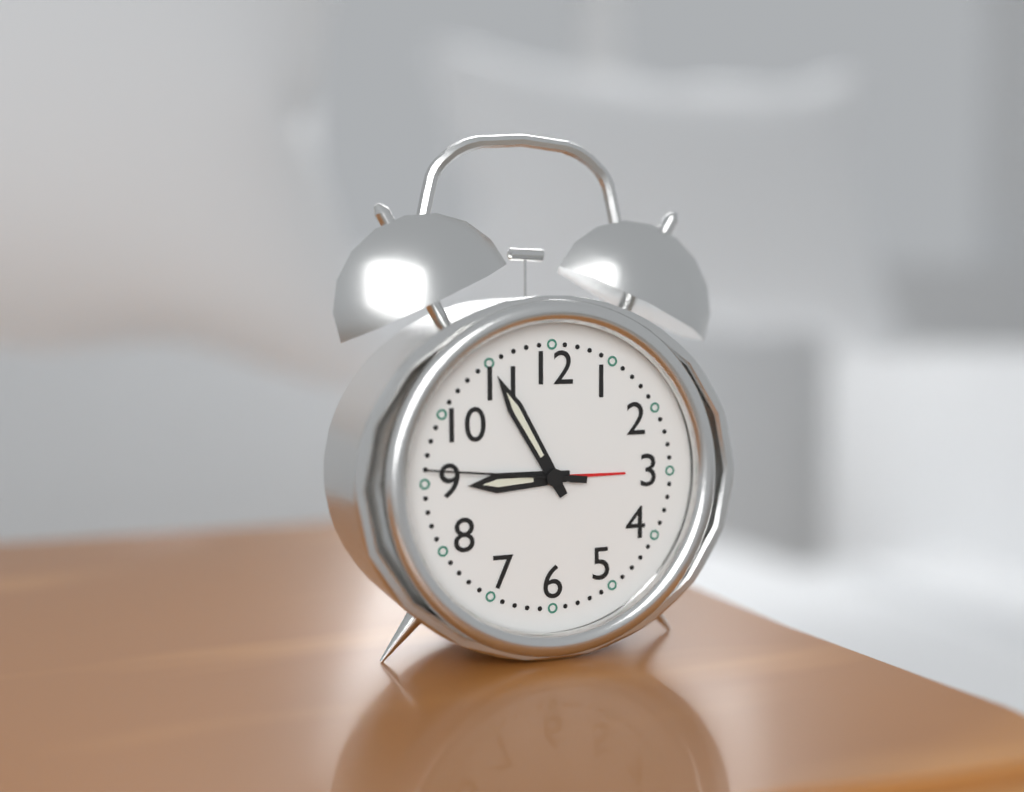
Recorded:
8.55.46
